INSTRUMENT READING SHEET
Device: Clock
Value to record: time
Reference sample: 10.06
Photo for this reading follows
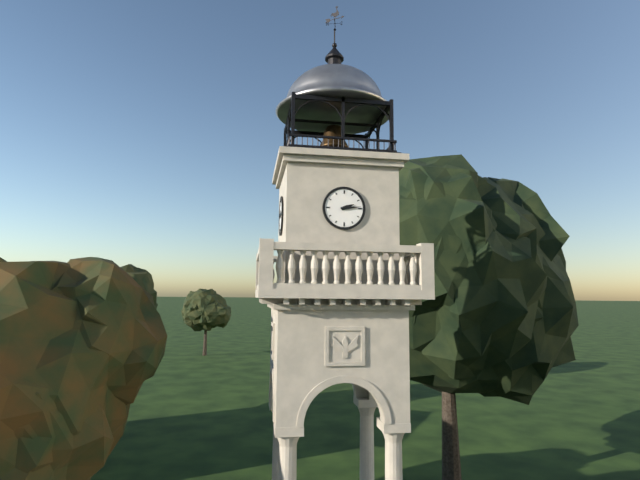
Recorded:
2.14
